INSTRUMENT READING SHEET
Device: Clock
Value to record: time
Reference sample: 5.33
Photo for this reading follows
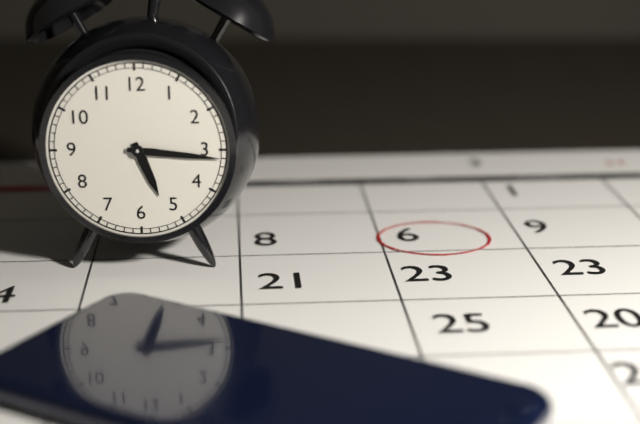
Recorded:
5.16
